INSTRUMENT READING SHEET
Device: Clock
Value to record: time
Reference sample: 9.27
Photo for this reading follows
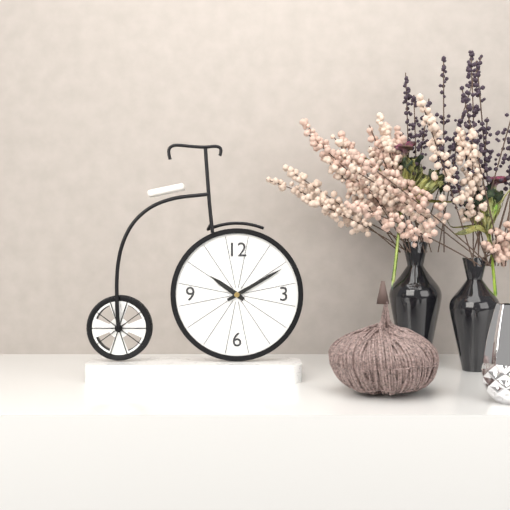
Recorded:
10.10
